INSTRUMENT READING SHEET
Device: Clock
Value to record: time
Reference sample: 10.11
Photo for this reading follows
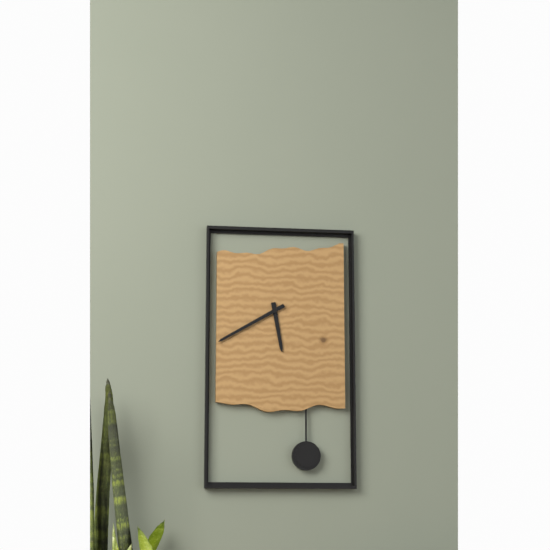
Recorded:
5.40
